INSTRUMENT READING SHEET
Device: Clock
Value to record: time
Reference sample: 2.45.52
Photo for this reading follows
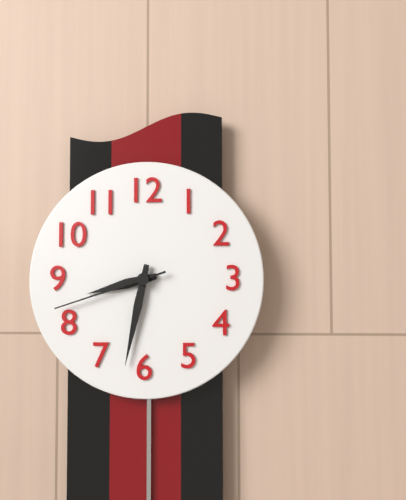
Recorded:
8.32.42
